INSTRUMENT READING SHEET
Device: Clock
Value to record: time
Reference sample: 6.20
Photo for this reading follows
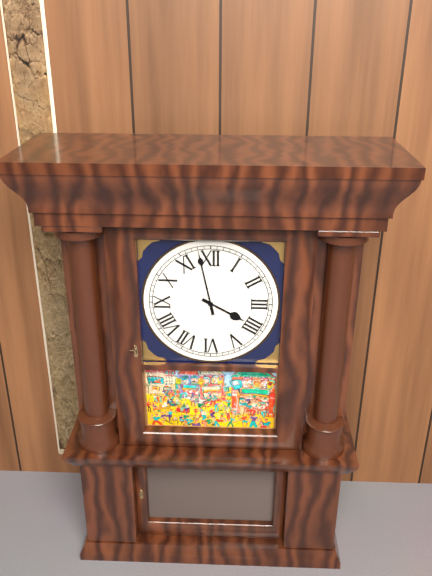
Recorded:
3.58
